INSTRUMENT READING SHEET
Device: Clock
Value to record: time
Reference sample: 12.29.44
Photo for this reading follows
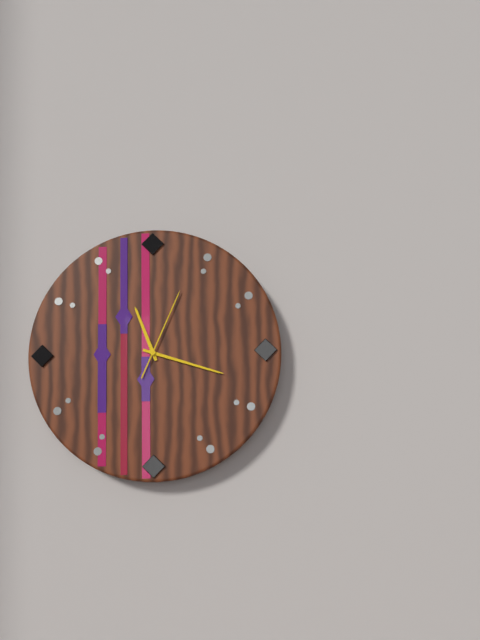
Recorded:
11.18.04
